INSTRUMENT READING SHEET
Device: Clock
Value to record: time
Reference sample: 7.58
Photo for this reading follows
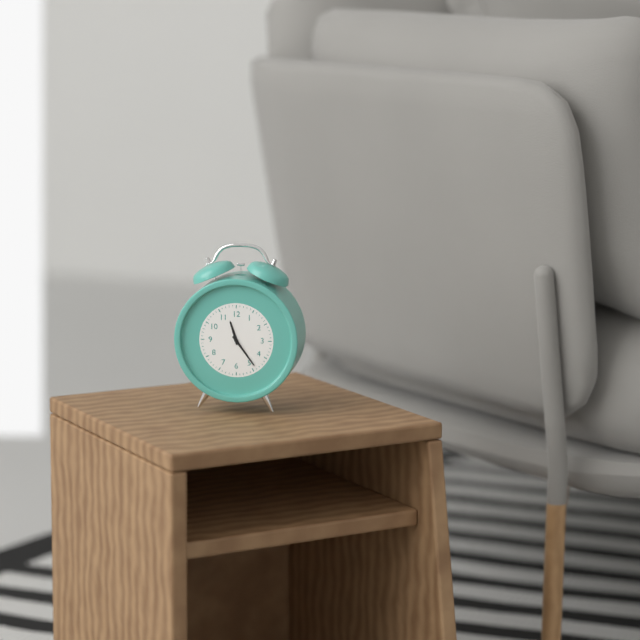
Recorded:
11.24
